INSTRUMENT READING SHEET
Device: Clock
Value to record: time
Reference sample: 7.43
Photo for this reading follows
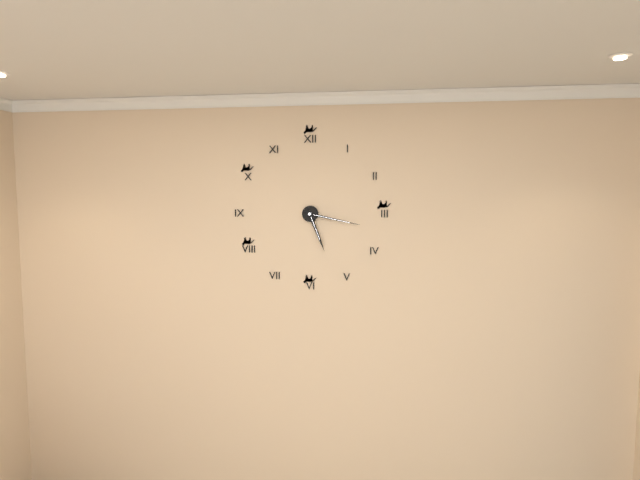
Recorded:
5.17
